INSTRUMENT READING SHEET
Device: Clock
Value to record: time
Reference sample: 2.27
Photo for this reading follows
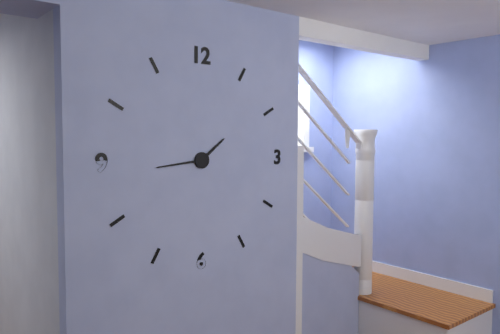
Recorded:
1.44
